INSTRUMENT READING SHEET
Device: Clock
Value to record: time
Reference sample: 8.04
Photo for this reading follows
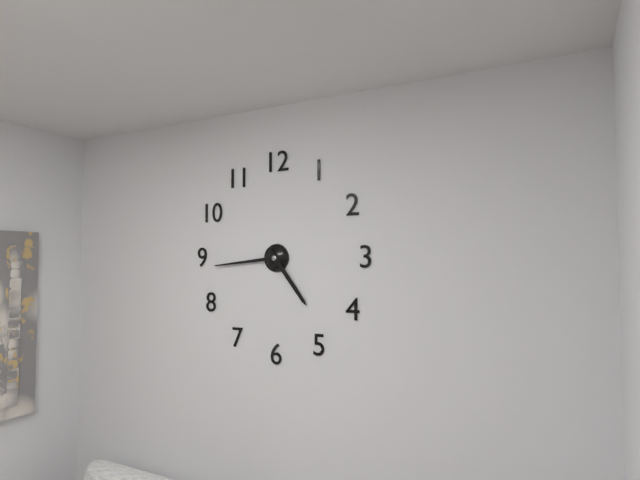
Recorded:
4.44
